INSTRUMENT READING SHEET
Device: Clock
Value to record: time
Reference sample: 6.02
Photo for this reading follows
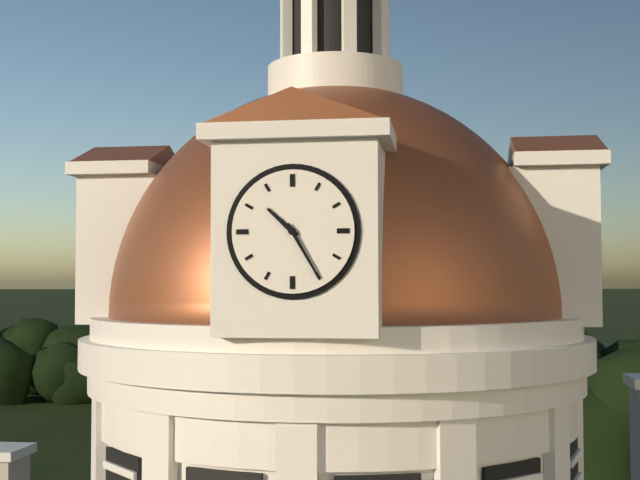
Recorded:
10.25
